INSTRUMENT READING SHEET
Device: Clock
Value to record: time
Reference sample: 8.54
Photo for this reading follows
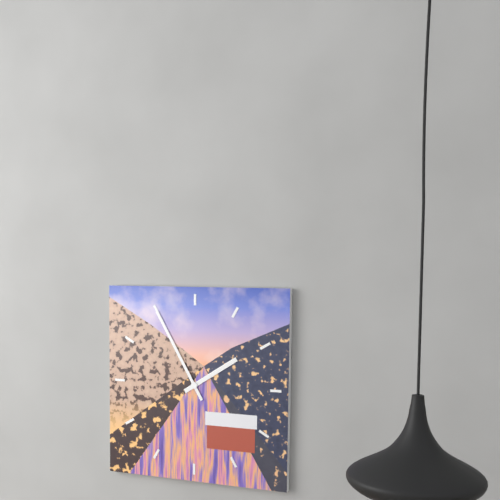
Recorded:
1.55
